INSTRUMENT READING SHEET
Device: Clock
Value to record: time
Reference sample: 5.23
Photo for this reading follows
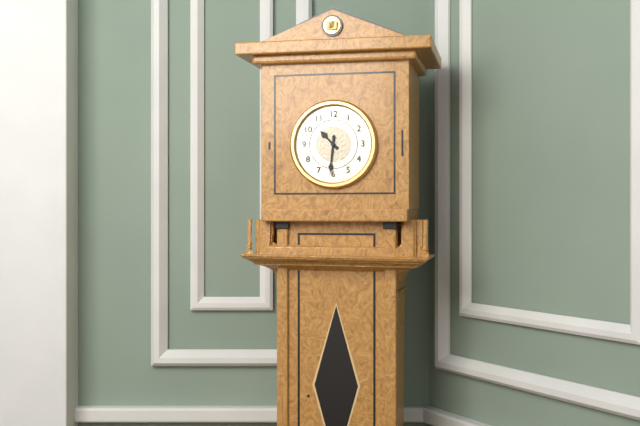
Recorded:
10.31
